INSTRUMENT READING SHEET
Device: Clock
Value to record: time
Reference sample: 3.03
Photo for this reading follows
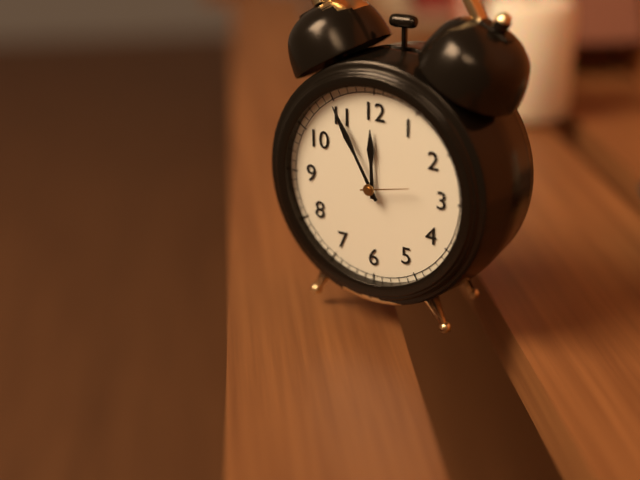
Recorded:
11.55
